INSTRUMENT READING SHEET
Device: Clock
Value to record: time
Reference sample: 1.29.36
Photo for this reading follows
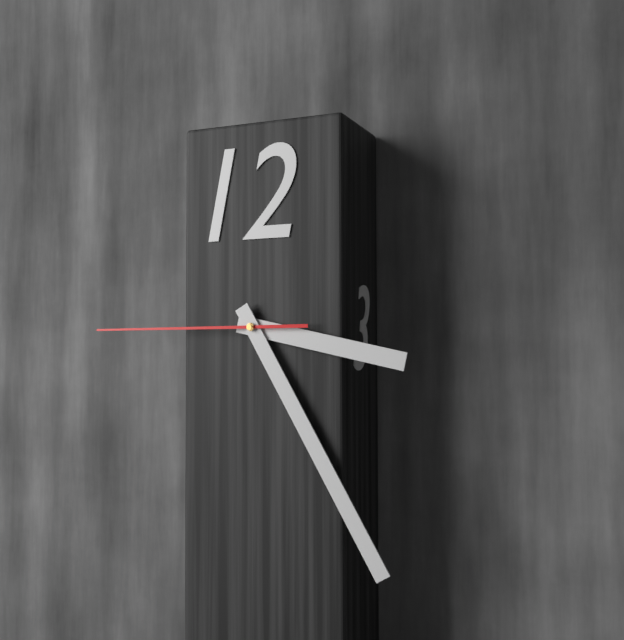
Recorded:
3.25.45
